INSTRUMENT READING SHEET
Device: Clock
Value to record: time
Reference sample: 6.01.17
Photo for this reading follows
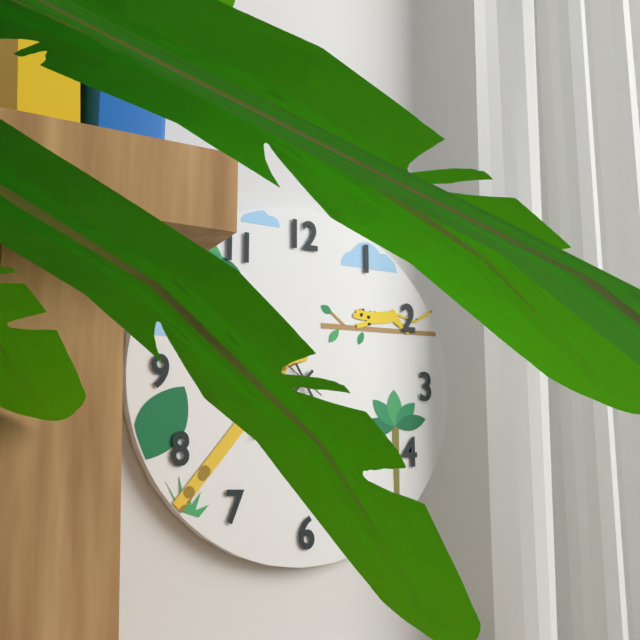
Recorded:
7.25.51
